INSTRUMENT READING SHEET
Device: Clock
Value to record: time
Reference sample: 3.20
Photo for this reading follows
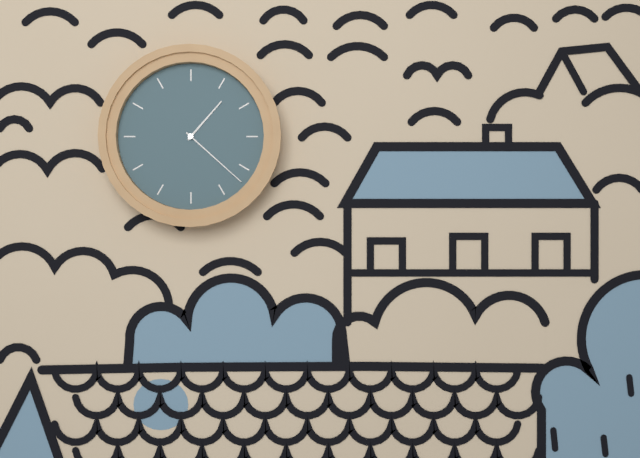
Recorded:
1.22
